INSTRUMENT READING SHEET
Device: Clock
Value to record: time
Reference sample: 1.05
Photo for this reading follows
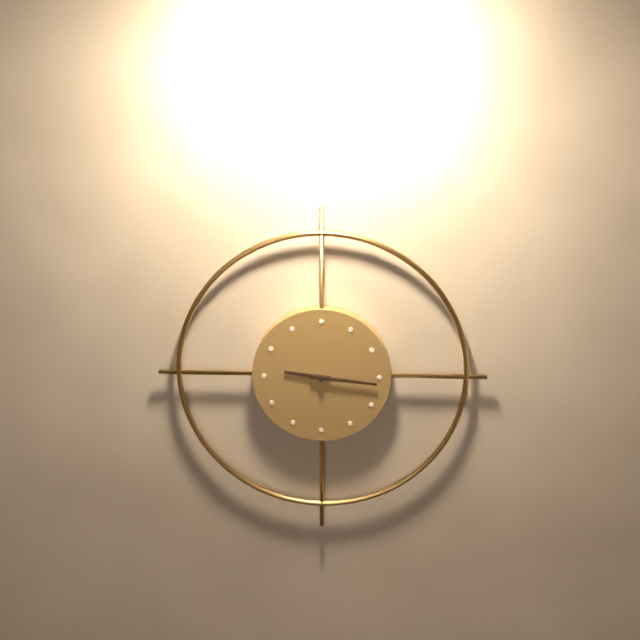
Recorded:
9.16
